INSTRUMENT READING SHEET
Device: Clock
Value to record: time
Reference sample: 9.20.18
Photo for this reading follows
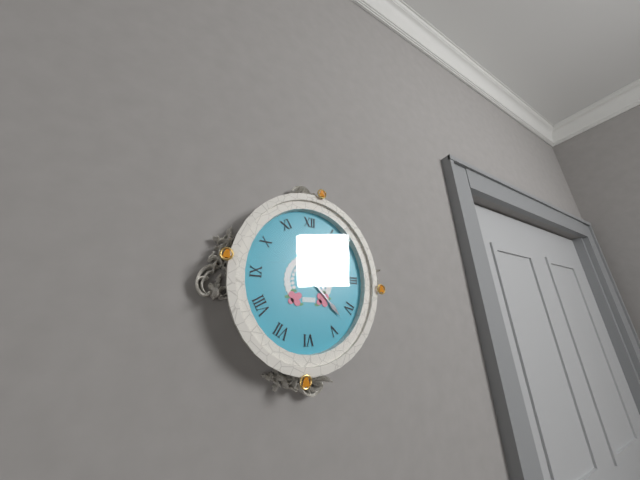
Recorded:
12.23.10
